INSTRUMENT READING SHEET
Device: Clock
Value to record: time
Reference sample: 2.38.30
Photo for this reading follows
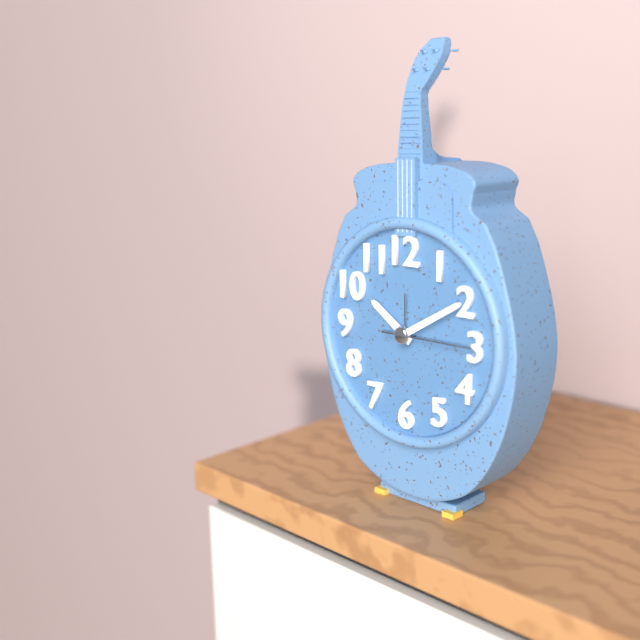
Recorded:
10.10.15
